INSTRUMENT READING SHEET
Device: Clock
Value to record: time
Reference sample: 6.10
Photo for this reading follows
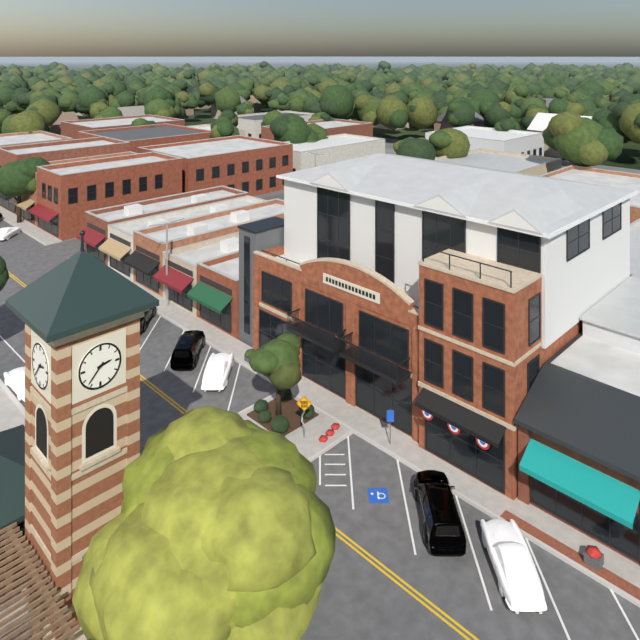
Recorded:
2.37
